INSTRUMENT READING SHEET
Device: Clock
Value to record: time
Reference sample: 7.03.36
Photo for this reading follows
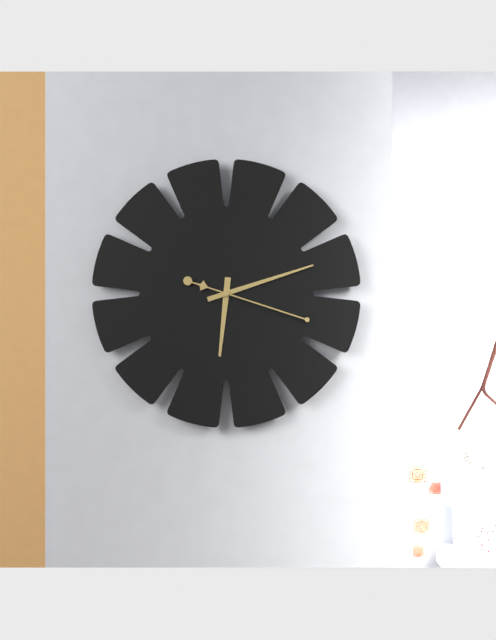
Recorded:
6.12.18
